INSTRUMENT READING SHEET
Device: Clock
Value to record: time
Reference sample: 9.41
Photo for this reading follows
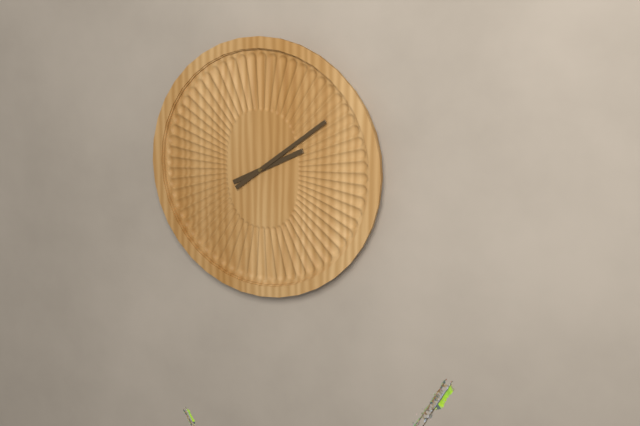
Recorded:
2.09
